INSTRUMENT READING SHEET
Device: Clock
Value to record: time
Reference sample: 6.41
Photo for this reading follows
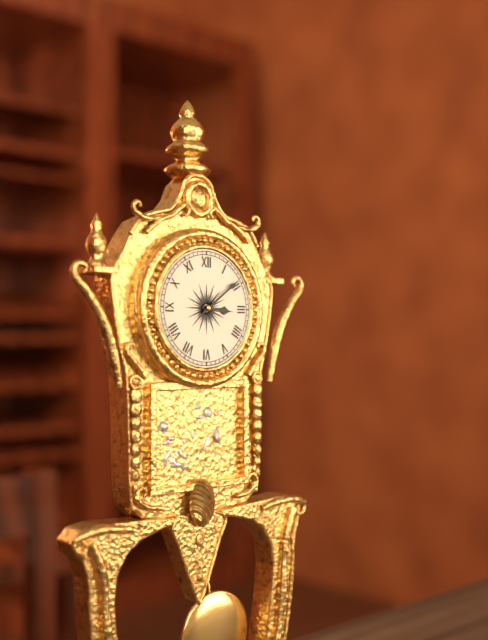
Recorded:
3.09
